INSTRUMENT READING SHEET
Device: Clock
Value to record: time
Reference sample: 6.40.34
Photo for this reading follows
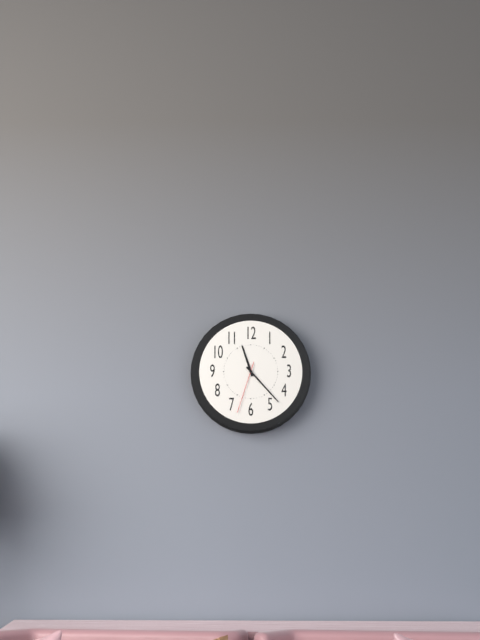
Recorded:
11.23.33
